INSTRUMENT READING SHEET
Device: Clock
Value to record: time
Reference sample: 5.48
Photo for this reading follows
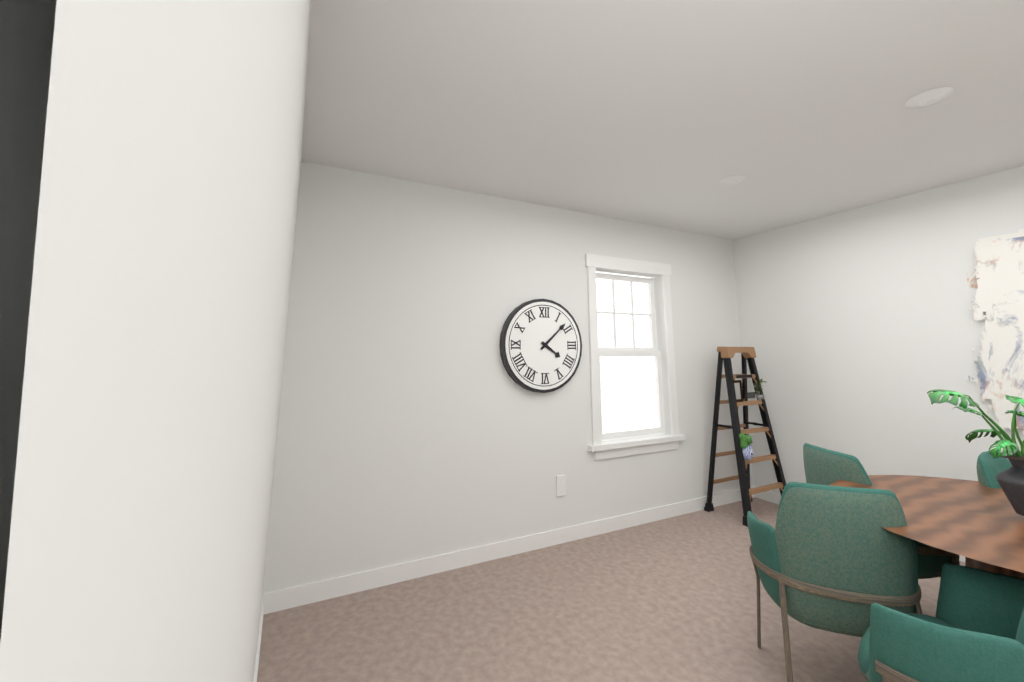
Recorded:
4.08
